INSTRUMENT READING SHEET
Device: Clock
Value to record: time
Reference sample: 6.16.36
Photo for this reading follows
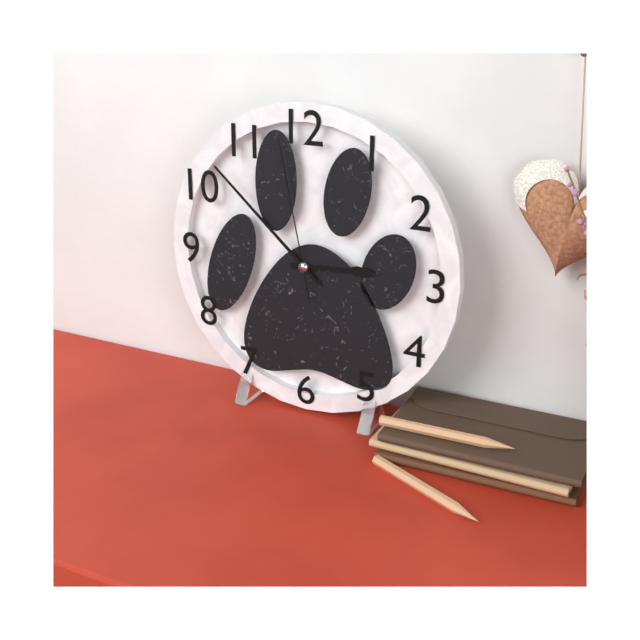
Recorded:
2.52.58
